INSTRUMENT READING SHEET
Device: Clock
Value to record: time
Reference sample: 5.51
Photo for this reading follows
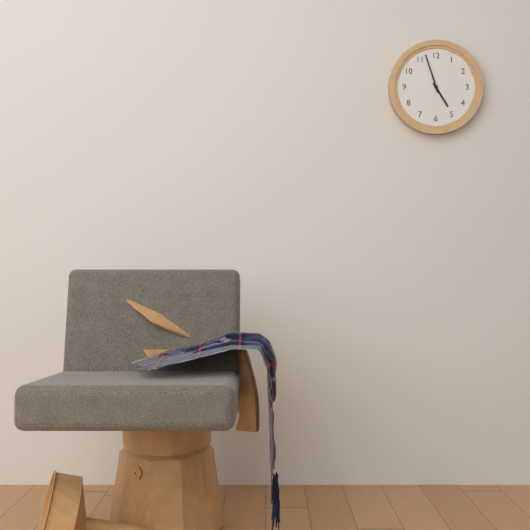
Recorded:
4.57
